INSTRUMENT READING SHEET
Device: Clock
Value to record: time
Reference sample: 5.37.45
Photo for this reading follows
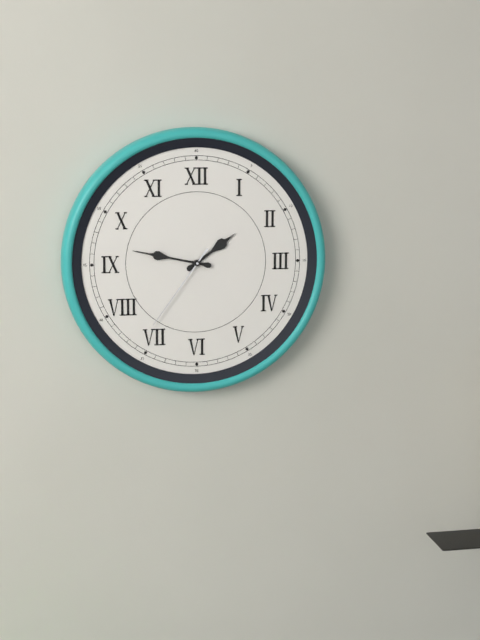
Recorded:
1.47.36
